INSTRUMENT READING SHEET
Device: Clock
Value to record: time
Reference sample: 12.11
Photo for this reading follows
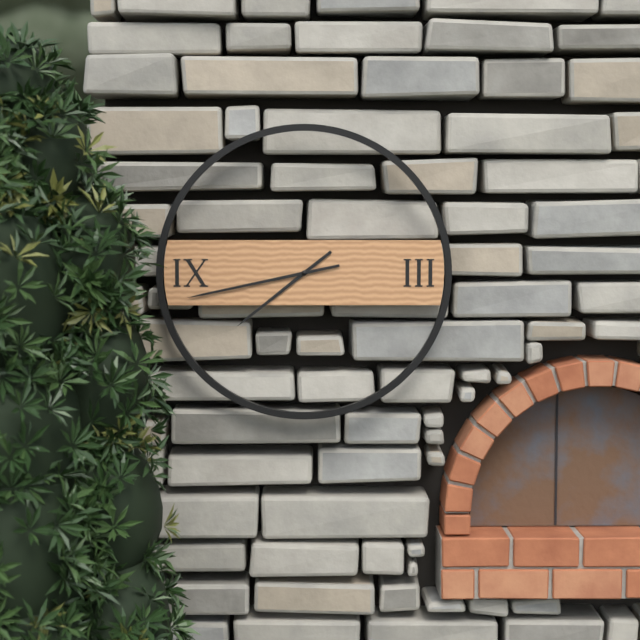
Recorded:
7.43
